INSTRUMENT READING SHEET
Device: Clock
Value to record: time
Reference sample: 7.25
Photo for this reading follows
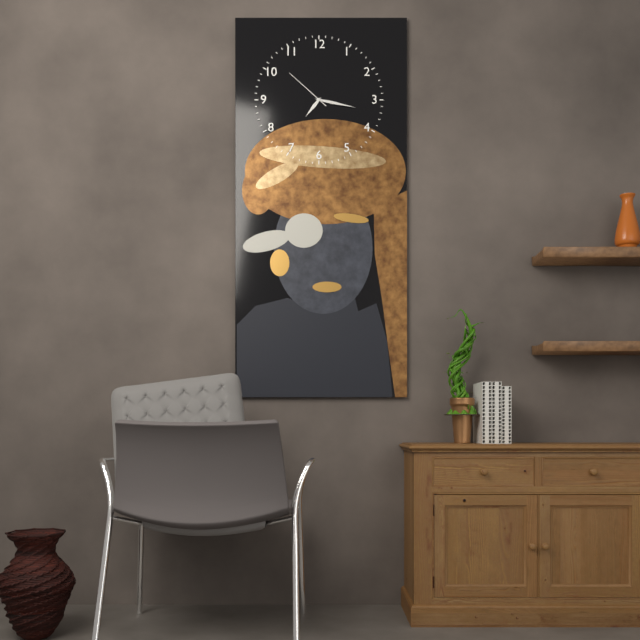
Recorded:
7.17
